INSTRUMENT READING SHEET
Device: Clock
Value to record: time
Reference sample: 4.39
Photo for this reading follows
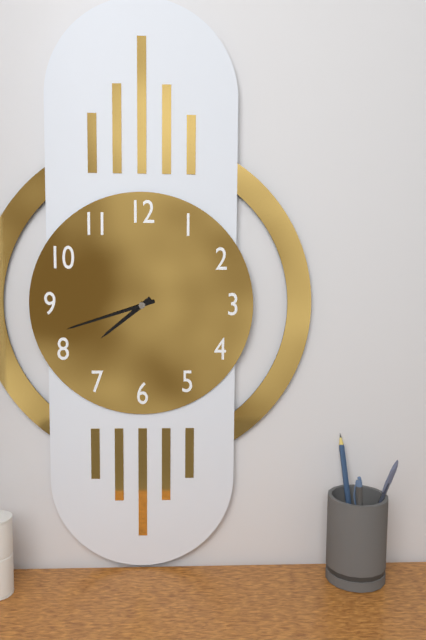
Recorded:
7.42
